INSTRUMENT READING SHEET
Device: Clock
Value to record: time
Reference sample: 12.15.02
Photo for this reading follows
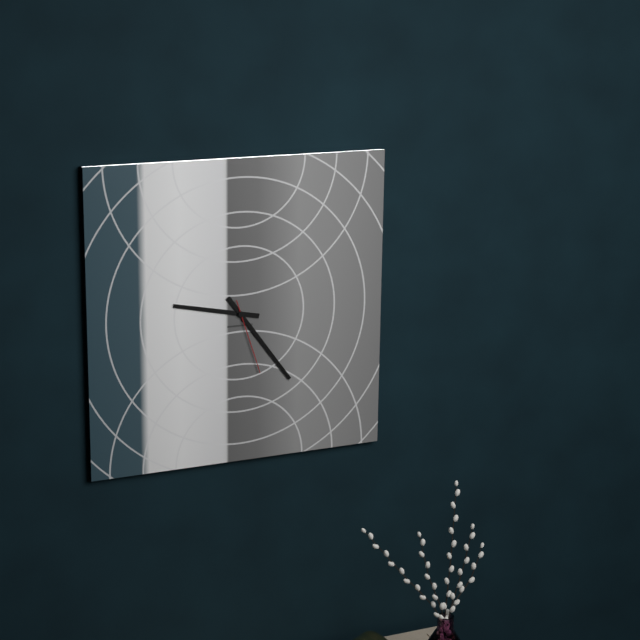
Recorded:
9.24.27
